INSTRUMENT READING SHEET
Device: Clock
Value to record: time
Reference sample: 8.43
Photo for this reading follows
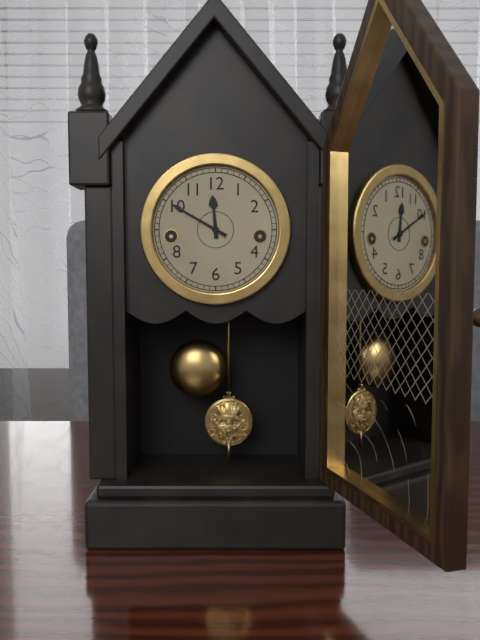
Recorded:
11.50
